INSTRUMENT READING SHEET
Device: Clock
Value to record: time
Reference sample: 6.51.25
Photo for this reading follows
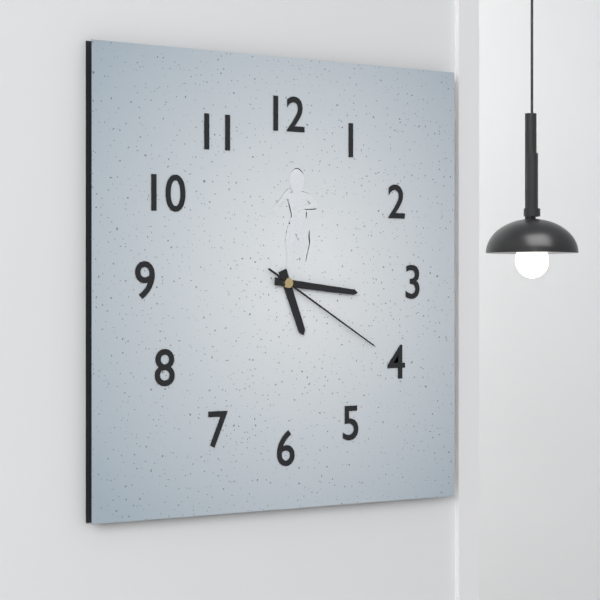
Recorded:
5.16.20
